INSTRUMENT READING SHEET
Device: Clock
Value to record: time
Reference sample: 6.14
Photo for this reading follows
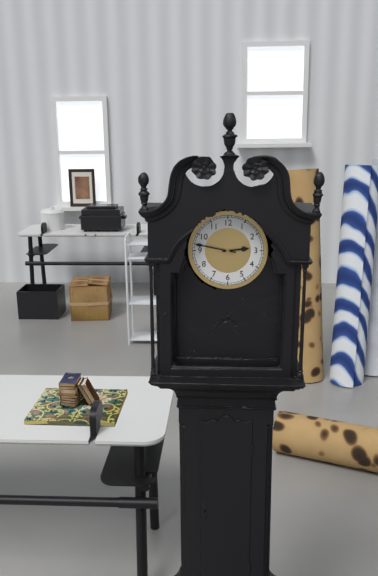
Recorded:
2.47
